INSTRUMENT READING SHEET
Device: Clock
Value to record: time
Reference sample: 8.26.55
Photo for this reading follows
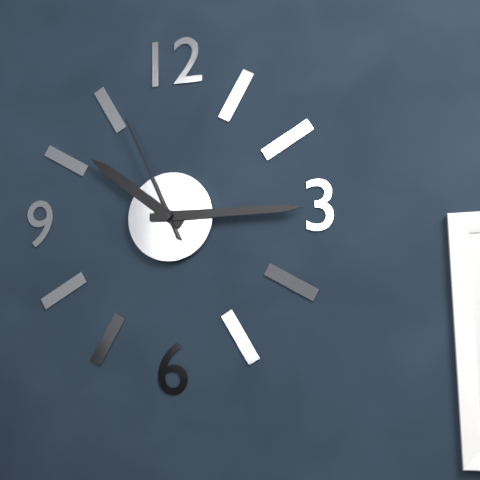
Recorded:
10.15.56
